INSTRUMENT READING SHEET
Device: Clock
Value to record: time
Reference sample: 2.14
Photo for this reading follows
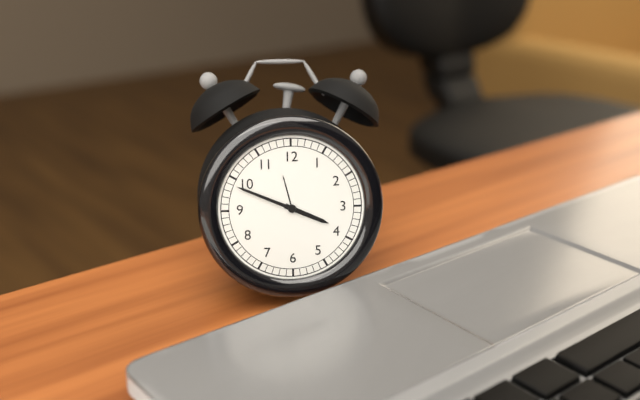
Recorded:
3.49
